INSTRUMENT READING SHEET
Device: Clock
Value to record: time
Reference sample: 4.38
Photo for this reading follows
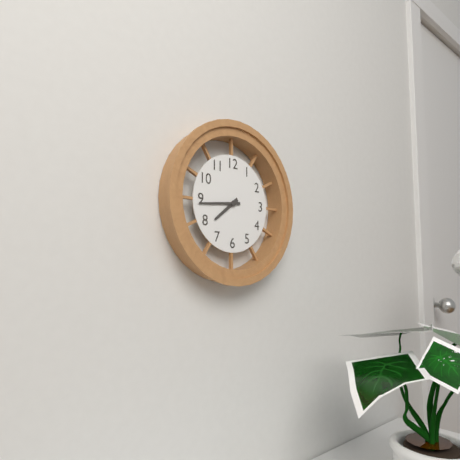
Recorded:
7.44
